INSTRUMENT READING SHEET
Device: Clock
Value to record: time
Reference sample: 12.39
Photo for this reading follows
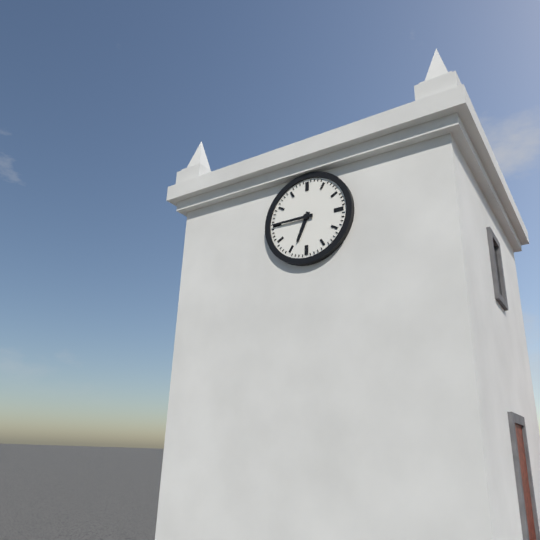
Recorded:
6.45
